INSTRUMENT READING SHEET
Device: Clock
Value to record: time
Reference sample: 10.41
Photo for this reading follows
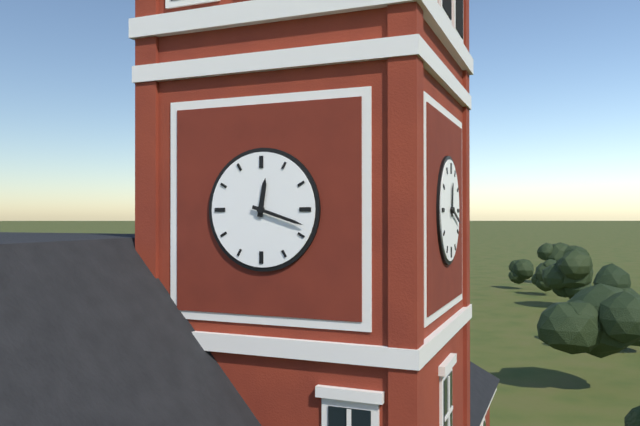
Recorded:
12.18
